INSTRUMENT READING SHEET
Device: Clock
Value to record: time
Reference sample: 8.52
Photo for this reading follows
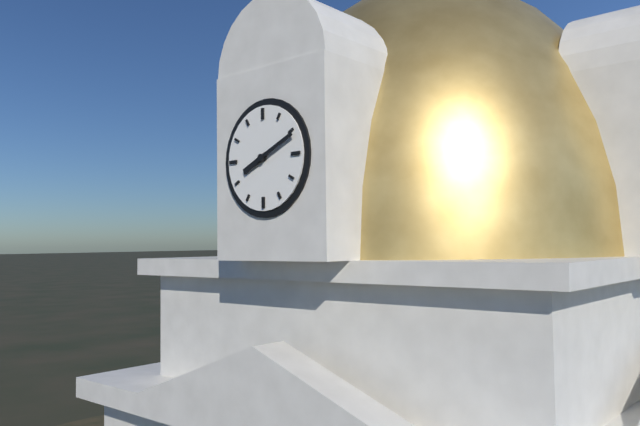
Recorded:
8.11
